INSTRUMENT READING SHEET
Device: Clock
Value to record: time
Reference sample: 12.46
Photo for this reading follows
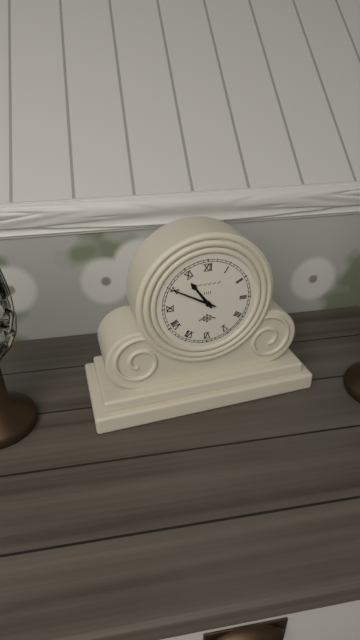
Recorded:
10.50
